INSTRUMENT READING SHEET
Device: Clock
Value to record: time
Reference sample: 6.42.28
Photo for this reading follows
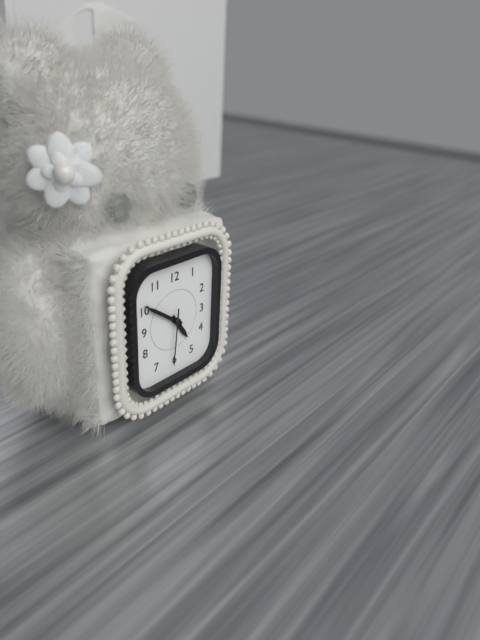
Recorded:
4.51.31
